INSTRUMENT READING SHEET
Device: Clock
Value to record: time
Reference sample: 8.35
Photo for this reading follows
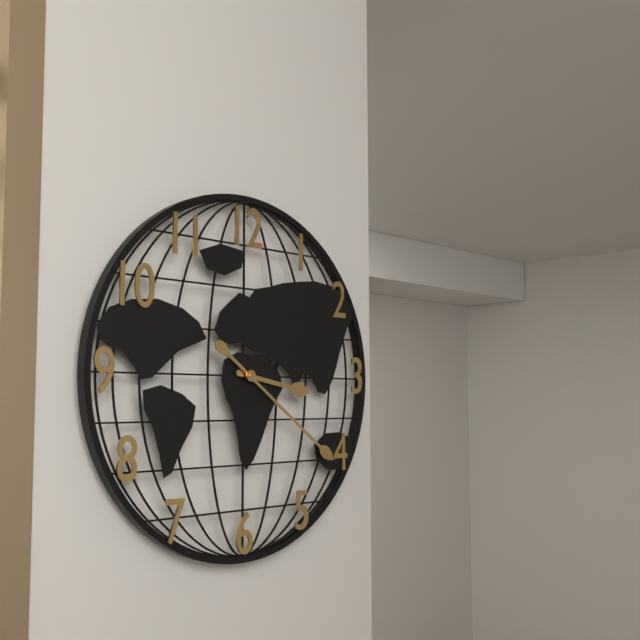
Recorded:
3.21
